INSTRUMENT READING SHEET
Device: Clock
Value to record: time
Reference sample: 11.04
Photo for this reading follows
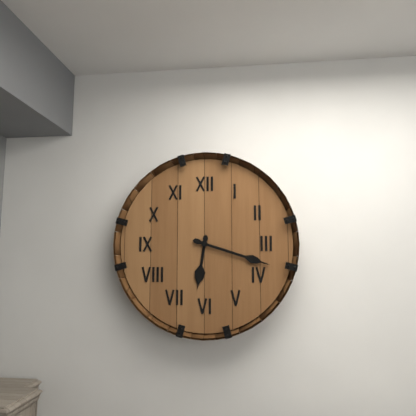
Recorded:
6.18
